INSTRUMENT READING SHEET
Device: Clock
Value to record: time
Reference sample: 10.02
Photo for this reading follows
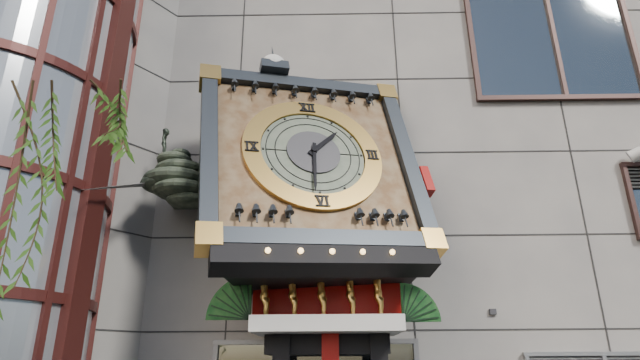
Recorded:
1.31
